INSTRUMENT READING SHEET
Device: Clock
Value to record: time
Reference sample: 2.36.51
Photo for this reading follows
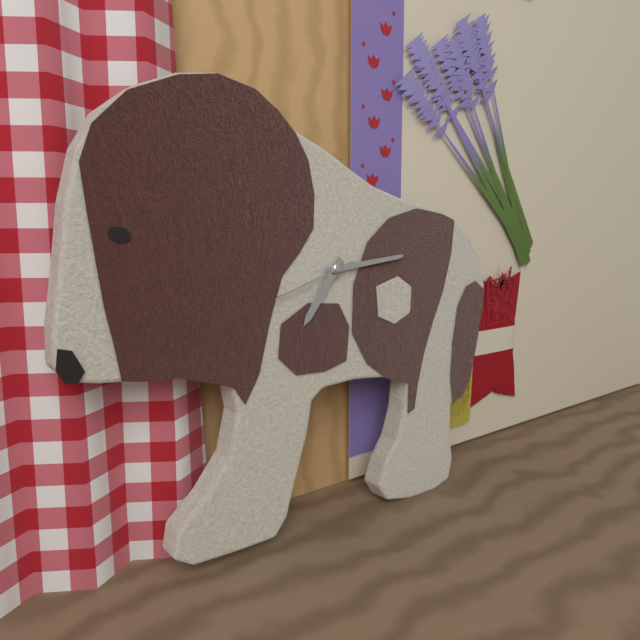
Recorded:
7.14.42
